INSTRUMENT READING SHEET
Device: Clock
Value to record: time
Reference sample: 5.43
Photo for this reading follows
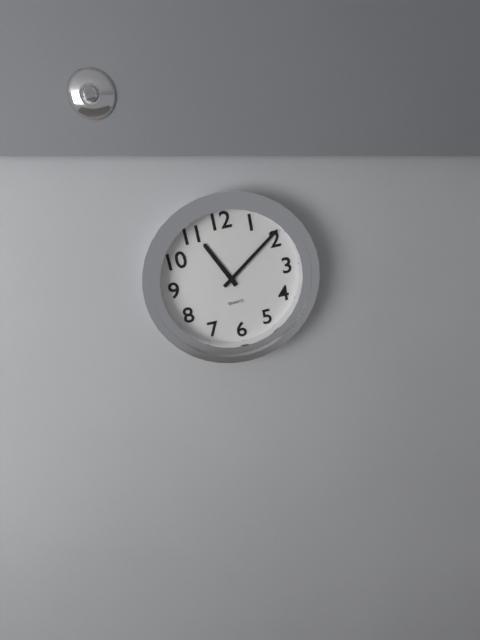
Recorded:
11.09
